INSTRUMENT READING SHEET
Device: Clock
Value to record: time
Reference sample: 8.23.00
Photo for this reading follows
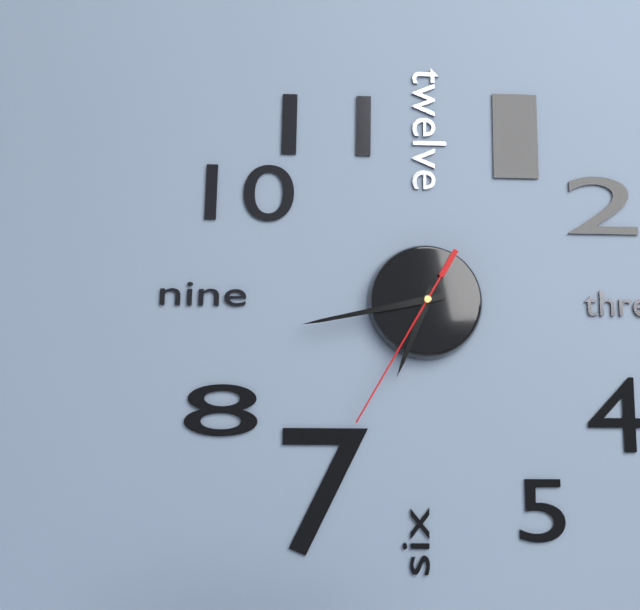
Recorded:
6.43.35
